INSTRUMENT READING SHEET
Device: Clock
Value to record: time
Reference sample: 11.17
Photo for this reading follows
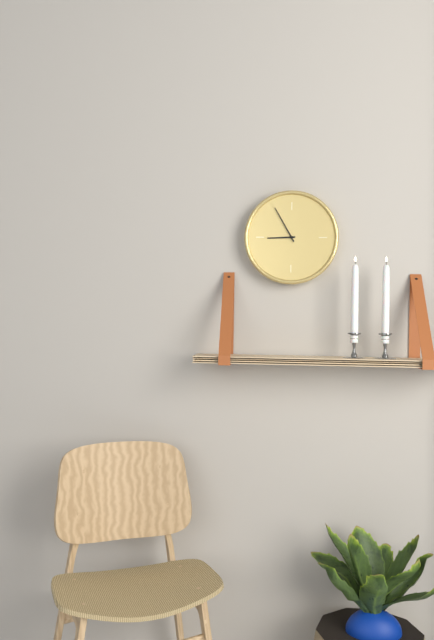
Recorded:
8.55
